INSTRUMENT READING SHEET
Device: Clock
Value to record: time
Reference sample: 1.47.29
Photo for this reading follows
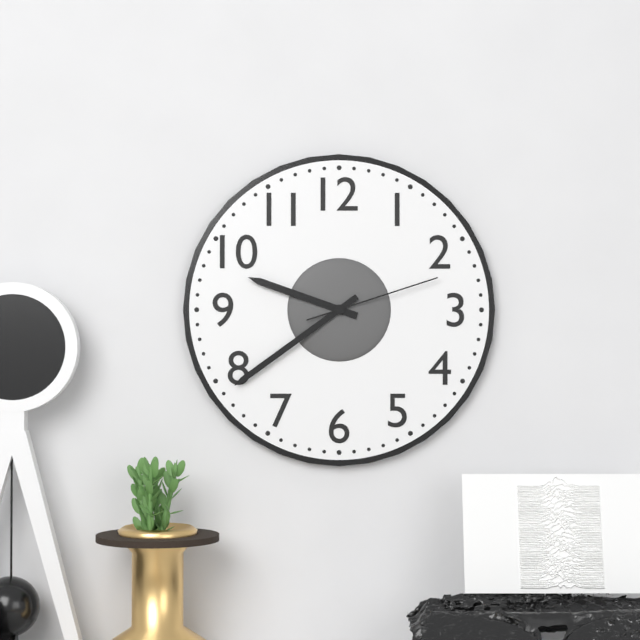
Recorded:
9.39.12
